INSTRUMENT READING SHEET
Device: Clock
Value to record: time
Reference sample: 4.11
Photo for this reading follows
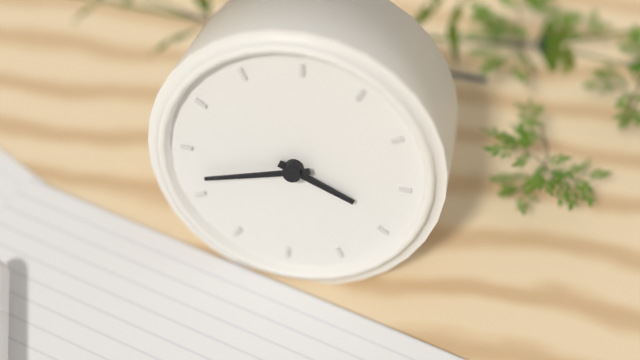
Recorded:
3.42
